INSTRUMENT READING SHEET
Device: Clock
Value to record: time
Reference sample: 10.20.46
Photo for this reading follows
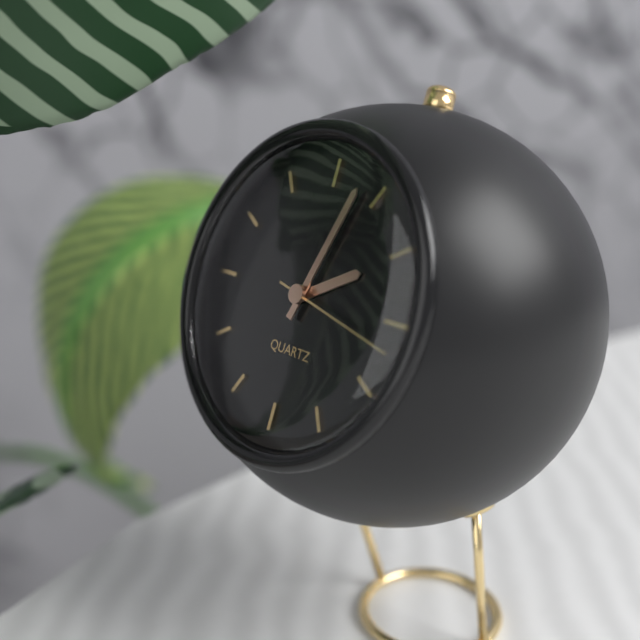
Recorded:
2.03.17
